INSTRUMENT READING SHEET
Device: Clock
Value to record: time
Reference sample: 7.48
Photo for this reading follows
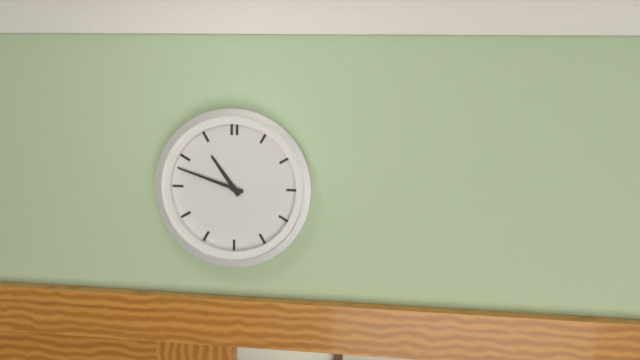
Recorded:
10.48
